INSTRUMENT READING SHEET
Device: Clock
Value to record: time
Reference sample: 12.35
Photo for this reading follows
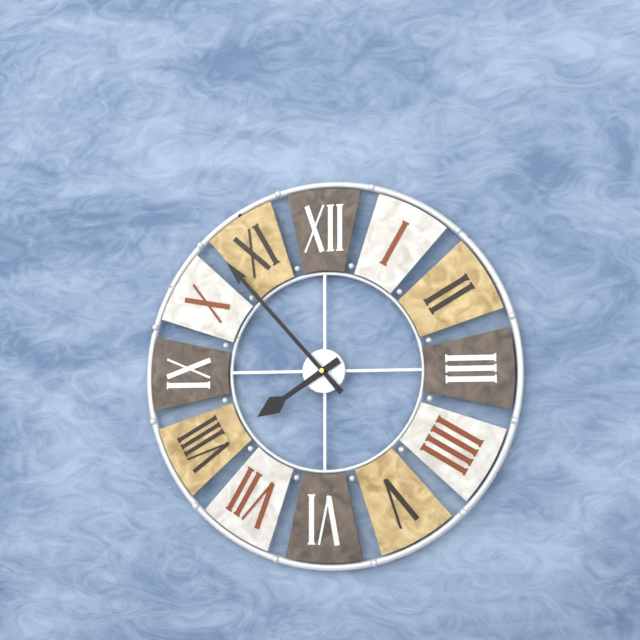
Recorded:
7.53
